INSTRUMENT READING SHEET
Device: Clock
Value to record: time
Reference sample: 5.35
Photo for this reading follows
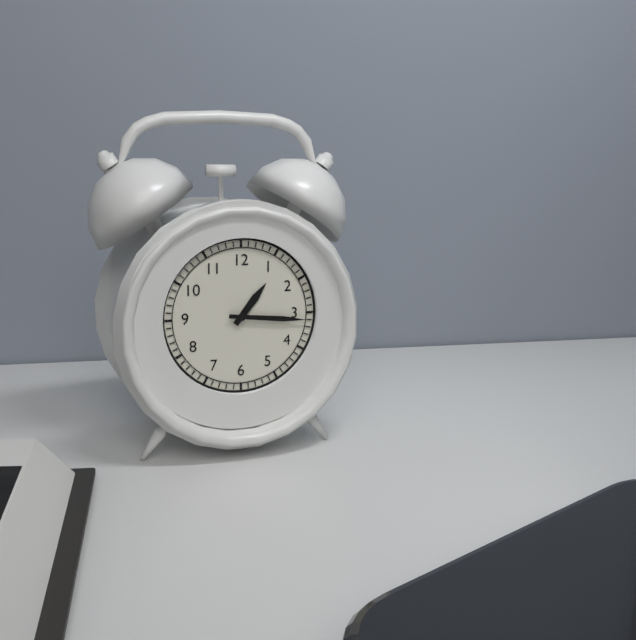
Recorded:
1.16
